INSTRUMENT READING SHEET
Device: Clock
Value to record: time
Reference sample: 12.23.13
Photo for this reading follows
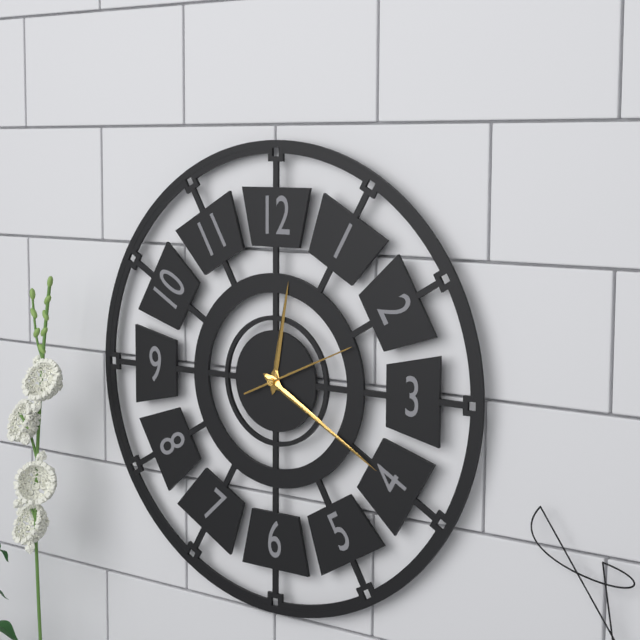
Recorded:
12.20.11
